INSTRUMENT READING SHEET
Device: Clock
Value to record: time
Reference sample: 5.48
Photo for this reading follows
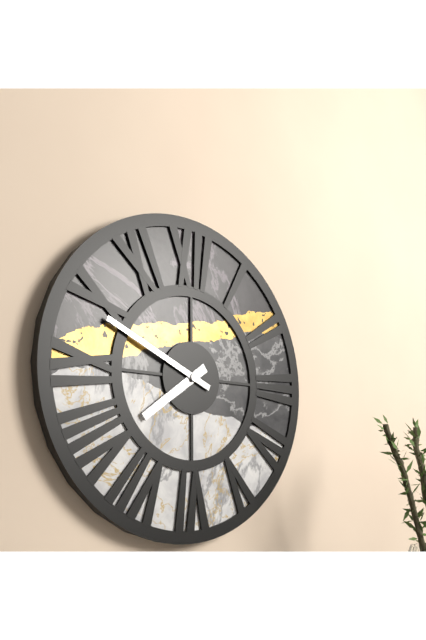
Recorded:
7.49
